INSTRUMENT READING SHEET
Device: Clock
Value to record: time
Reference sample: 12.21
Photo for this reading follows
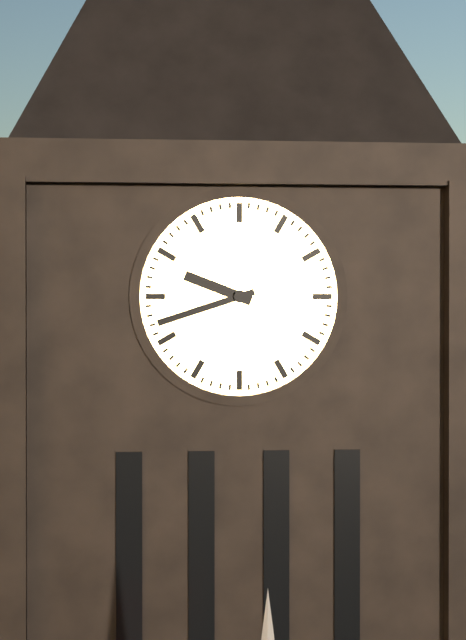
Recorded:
9.42
